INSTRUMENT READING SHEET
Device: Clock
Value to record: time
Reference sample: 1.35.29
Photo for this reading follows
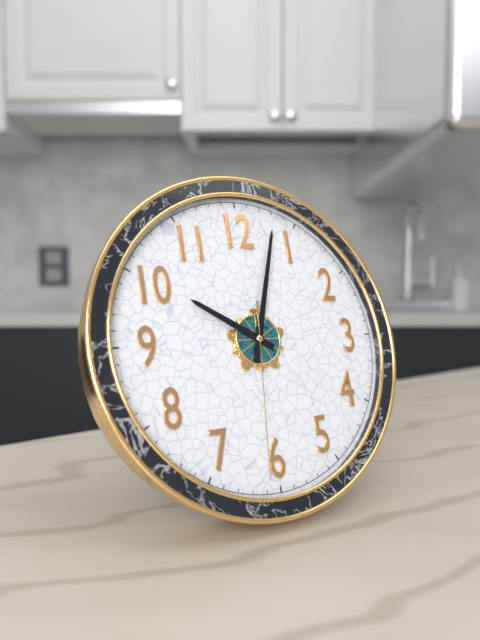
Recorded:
10.03.31
